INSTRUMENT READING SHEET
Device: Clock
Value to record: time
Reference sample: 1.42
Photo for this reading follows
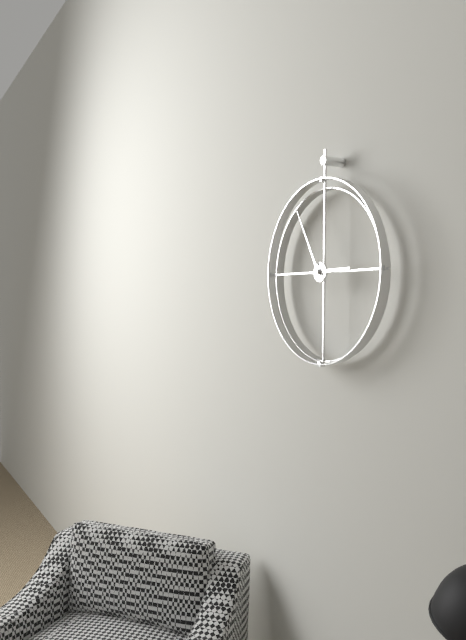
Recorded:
2.55
